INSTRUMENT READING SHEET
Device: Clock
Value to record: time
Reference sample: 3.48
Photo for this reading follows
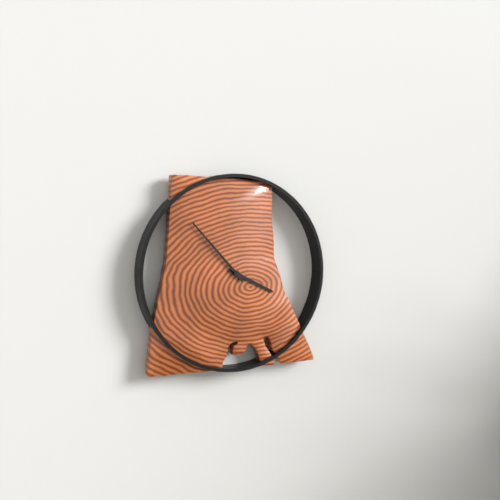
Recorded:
3.53
